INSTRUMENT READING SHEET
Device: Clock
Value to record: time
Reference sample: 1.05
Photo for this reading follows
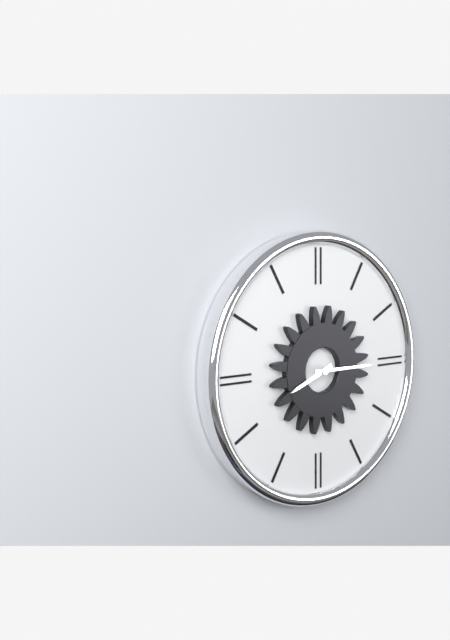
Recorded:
8.15
